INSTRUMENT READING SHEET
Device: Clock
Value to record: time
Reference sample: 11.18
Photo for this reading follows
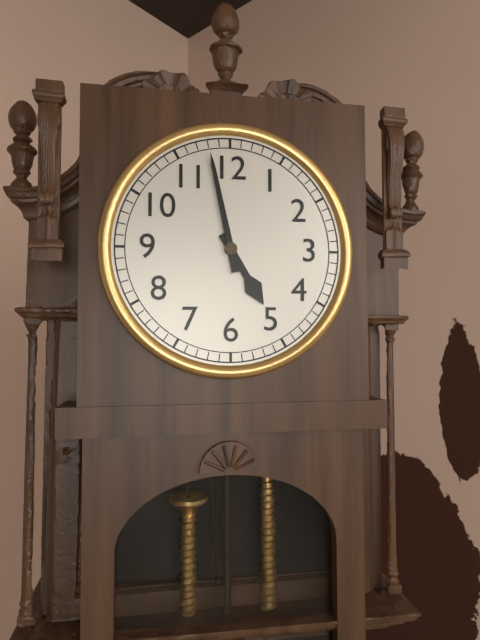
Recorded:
4.58
